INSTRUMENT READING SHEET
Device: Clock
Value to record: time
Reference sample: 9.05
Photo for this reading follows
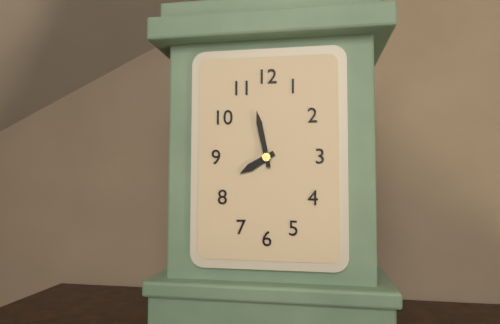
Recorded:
7.58
